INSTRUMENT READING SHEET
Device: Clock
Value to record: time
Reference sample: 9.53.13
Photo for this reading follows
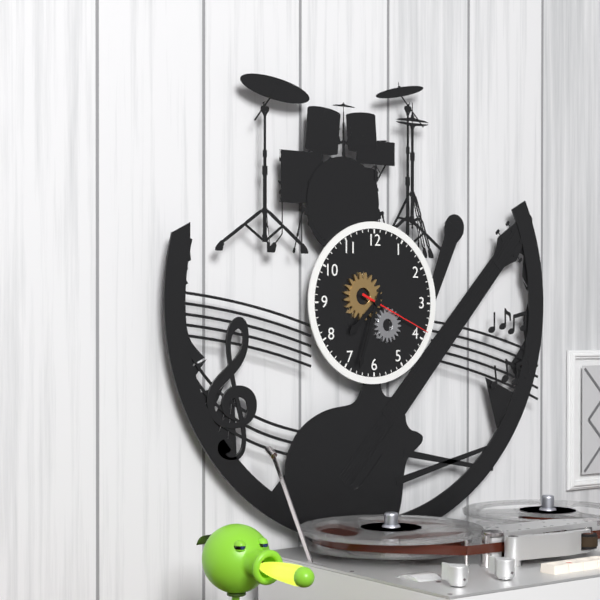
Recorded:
7.33.19
